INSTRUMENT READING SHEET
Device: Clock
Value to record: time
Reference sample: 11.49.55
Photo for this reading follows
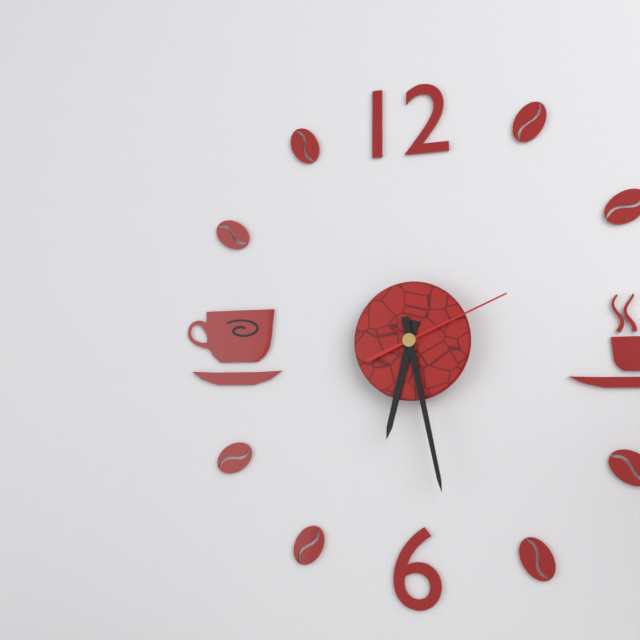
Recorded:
6.28.11
